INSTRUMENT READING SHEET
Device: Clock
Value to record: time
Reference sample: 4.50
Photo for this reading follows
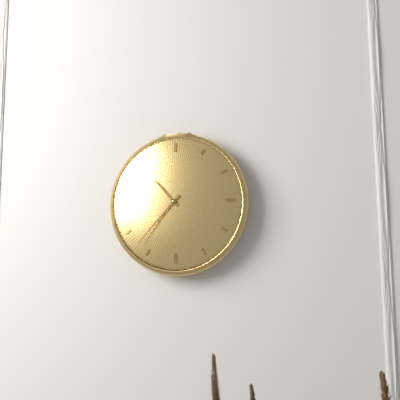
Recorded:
10.37
